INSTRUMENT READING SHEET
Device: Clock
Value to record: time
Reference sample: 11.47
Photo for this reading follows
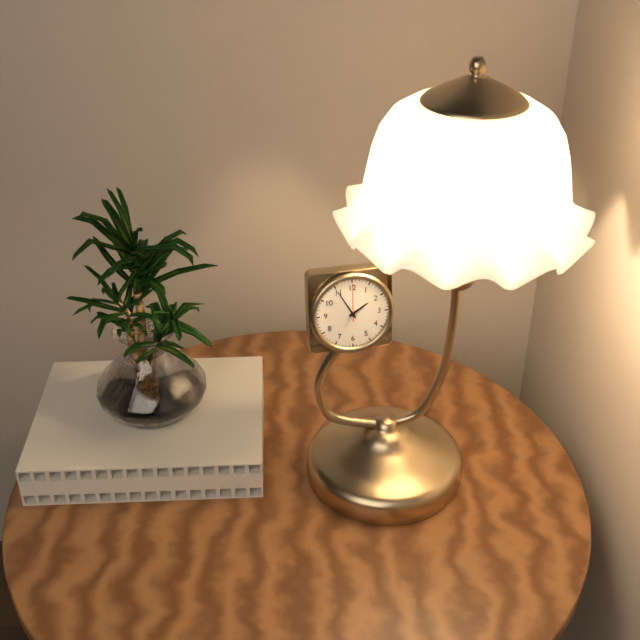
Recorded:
1.55
